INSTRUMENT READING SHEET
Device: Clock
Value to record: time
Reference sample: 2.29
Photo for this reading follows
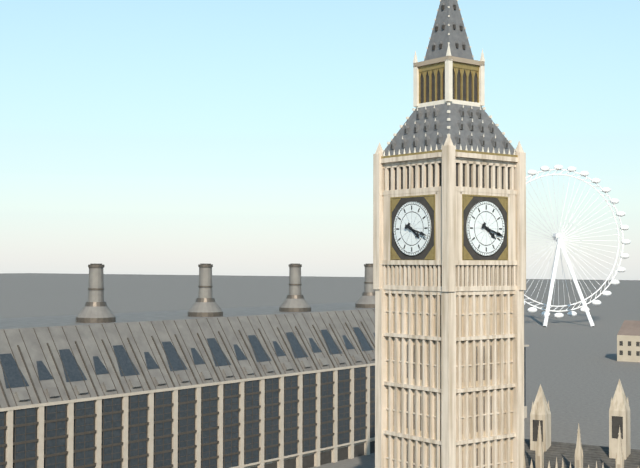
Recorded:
4.18
